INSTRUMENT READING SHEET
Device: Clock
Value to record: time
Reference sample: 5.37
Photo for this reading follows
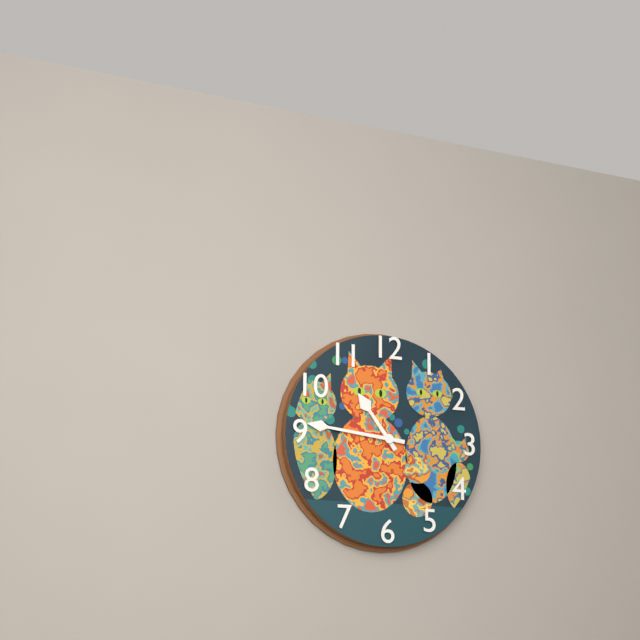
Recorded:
10.46
